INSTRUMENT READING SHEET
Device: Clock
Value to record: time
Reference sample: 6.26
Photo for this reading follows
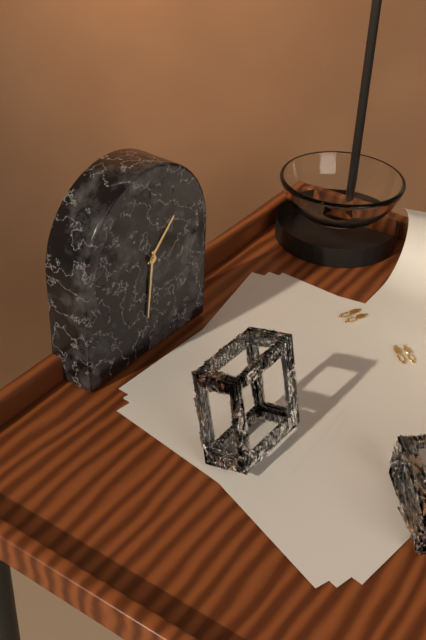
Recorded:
1.31
